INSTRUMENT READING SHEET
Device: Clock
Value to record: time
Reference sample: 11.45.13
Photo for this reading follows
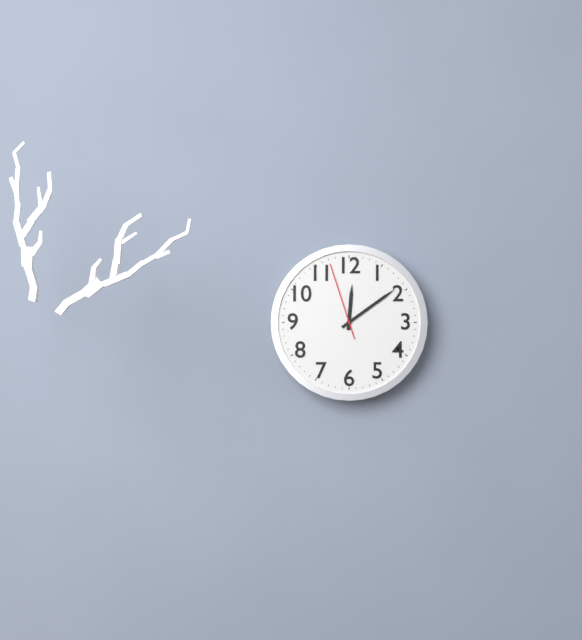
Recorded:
12.09.57
